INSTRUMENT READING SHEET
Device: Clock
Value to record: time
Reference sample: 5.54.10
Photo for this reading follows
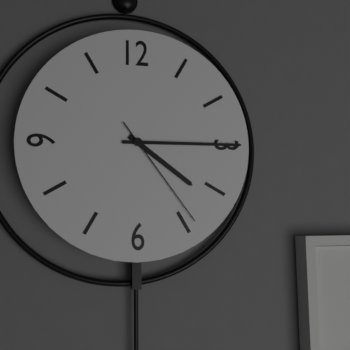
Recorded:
4.15.24
